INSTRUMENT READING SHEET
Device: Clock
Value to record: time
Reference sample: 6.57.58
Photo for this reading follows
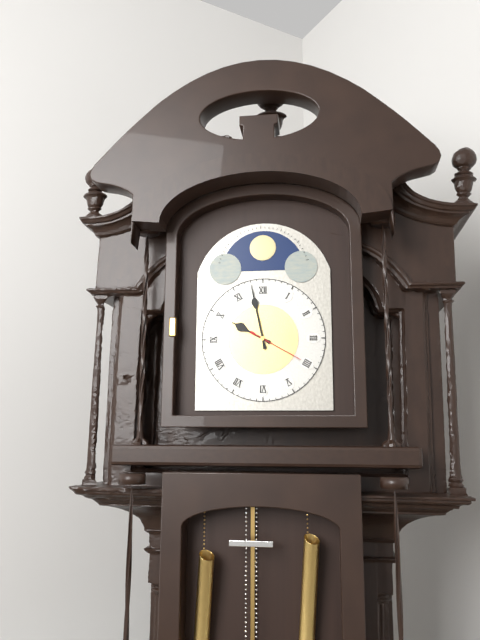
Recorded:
9.58.20
